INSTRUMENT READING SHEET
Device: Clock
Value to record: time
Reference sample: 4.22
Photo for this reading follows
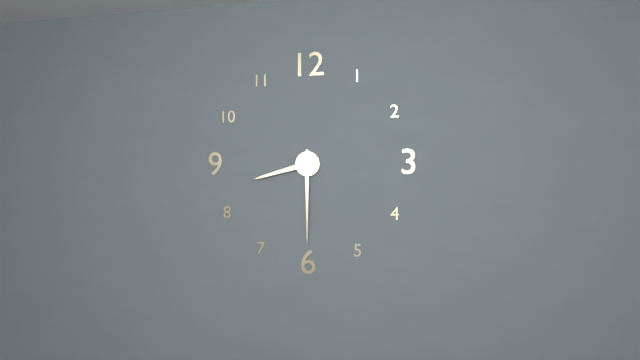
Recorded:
8.30
